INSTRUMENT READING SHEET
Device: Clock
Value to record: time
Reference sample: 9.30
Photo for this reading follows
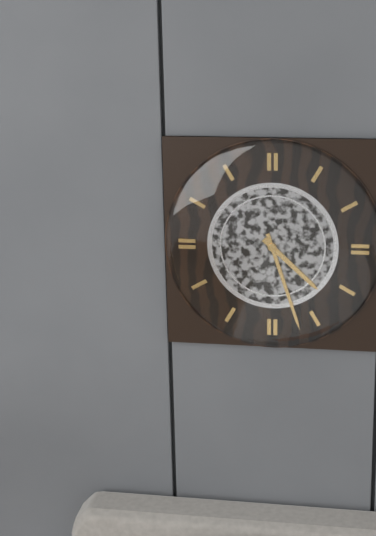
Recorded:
4.27
